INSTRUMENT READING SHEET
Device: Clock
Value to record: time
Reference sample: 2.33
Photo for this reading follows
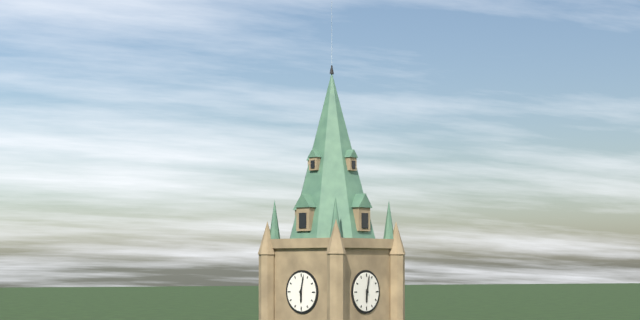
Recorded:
6.02
